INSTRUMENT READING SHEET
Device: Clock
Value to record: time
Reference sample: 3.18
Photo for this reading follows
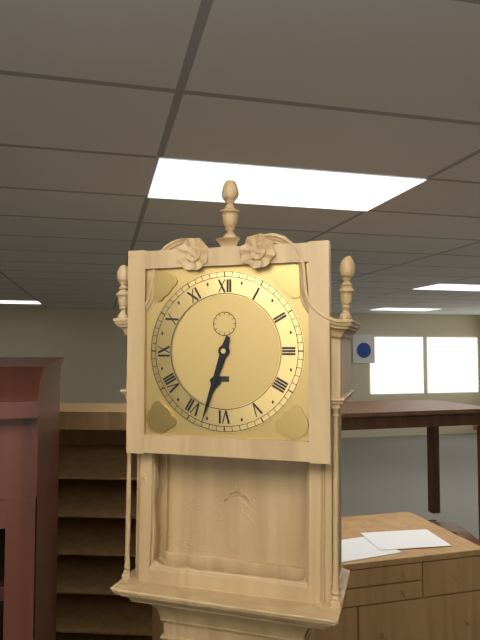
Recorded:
6.33
